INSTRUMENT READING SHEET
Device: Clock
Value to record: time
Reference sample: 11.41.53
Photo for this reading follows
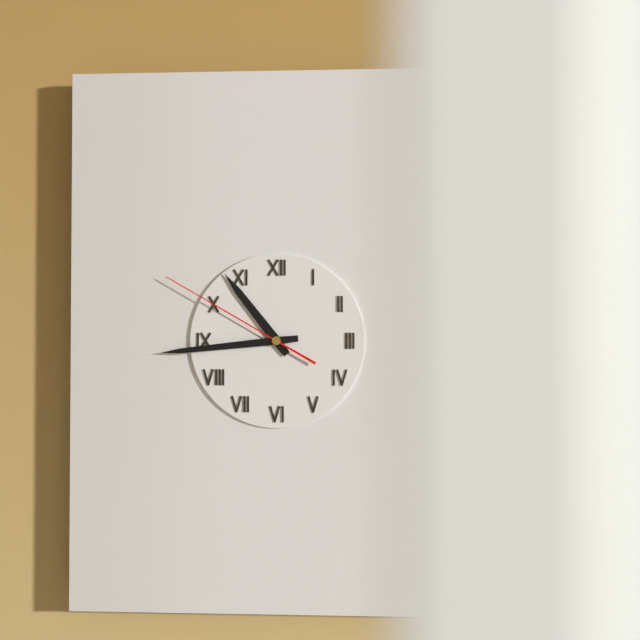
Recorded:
10.44.50
